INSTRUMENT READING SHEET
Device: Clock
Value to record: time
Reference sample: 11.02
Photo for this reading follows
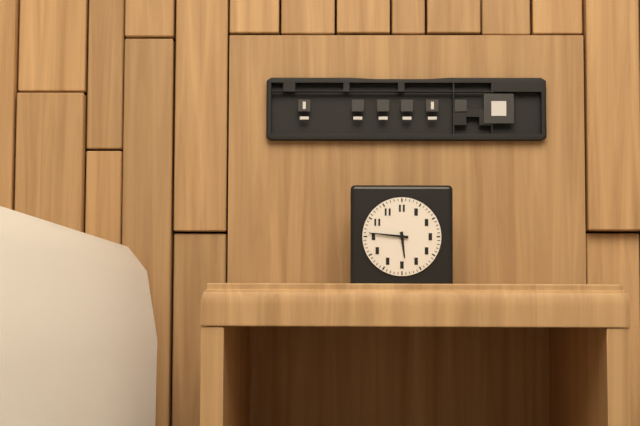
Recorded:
5.46
